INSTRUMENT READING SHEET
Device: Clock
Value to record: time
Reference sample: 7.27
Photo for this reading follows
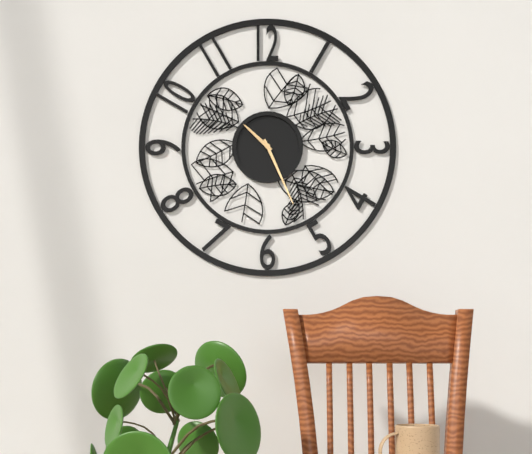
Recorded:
10.26
